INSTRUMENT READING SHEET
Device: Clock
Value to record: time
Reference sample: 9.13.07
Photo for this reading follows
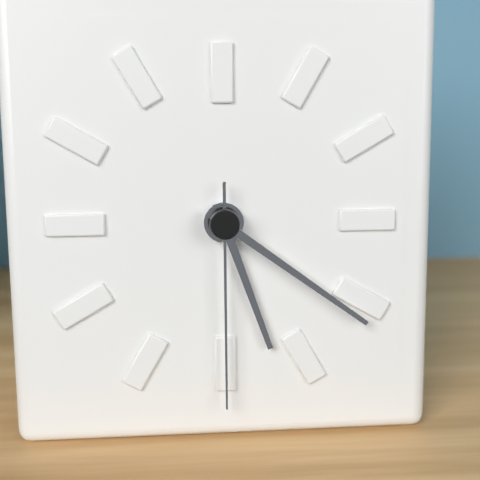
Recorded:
5.21.30
